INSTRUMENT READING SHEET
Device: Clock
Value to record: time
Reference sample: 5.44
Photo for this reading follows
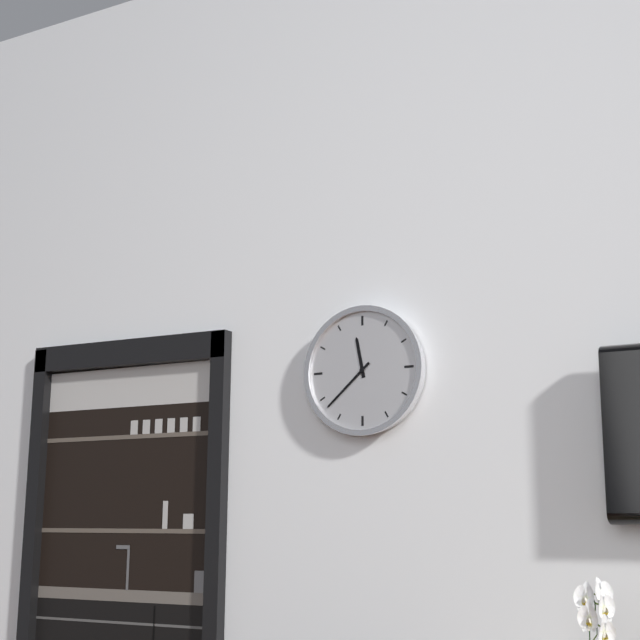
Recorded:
11.38
